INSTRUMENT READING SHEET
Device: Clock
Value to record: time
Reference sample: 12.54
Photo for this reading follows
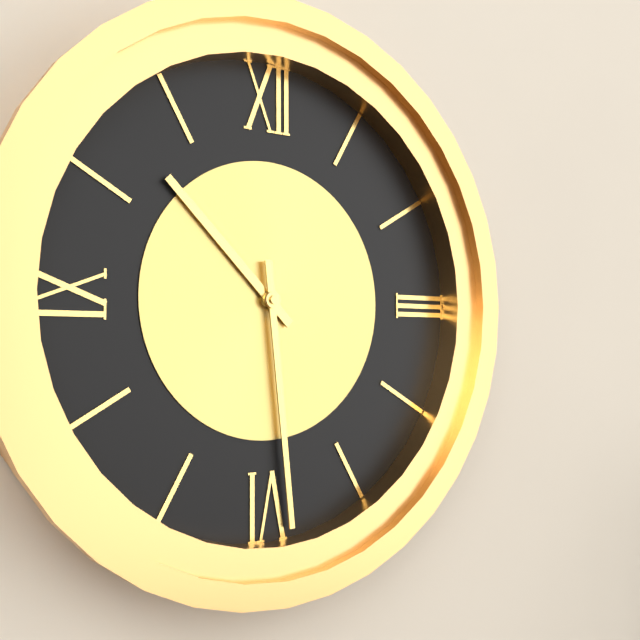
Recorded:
10.29
